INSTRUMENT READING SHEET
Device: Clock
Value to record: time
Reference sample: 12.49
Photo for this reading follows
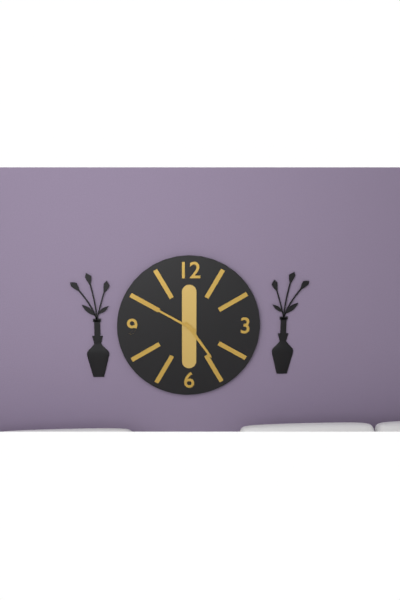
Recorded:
4.50
